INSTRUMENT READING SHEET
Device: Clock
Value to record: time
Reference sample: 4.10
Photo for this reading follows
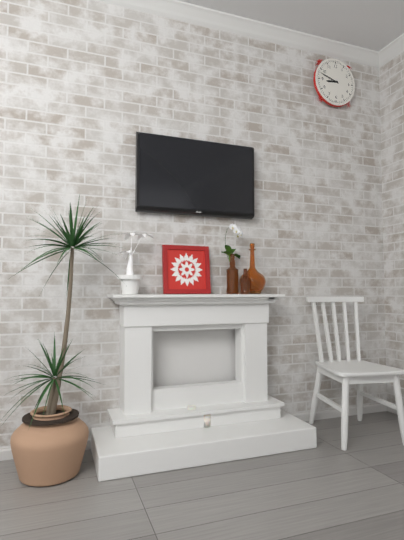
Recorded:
8.48
